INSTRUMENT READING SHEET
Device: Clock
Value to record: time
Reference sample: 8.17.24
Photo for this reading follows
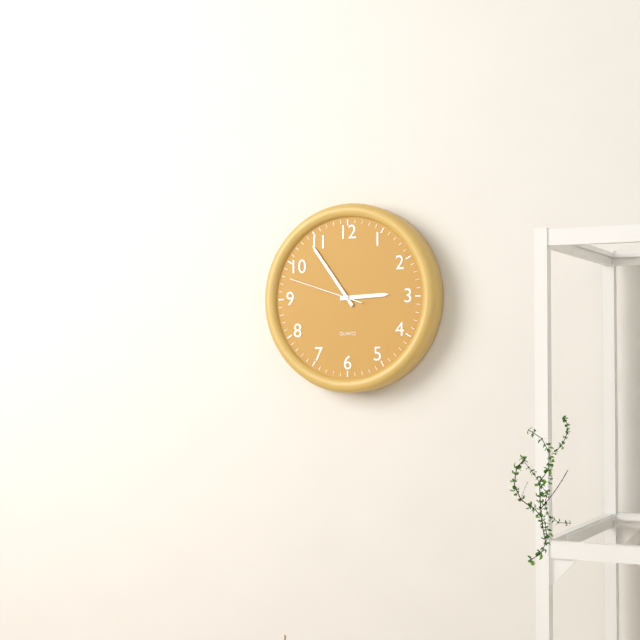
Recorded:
2.54.48
